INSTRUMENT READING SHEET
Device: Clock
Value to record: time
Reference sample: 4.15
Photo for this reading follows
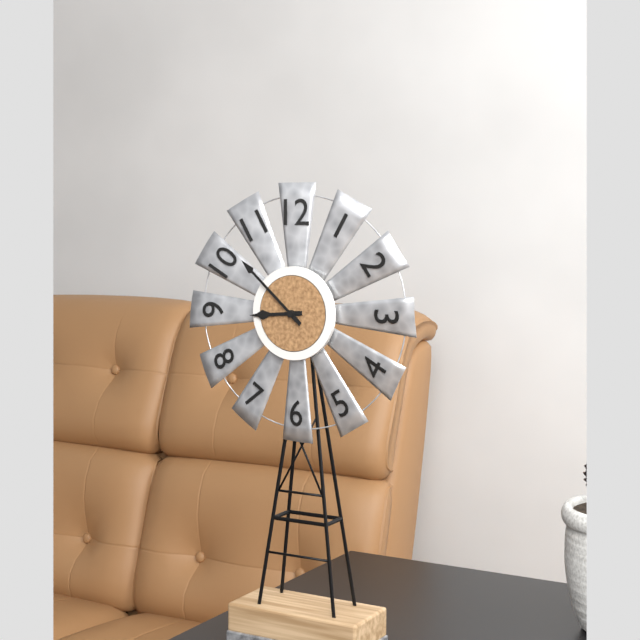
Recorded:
8.52
